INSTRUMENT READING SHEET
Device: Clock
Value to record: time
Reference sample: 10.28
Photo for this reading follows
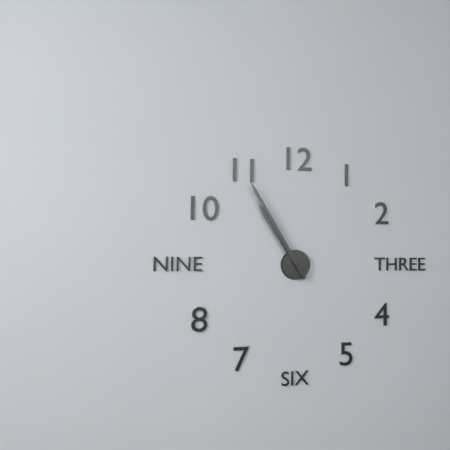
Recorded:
10.55
